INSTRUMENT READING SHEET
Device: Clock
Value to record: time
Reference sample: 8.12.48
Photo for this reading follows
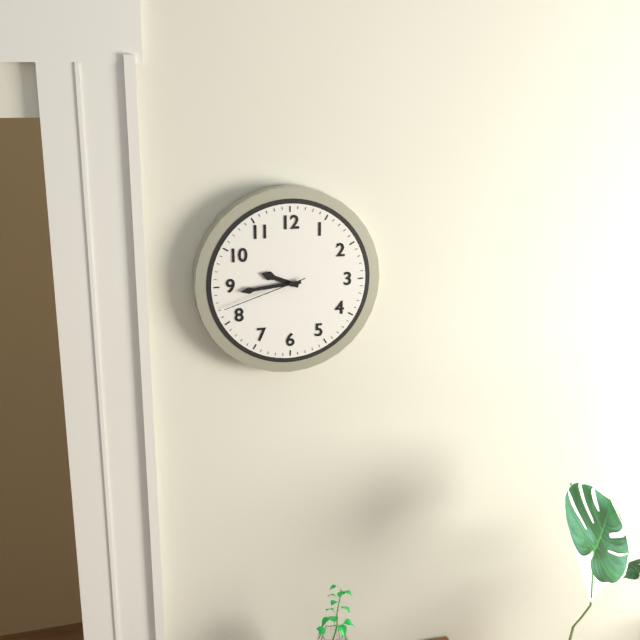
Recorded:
9.44.42
